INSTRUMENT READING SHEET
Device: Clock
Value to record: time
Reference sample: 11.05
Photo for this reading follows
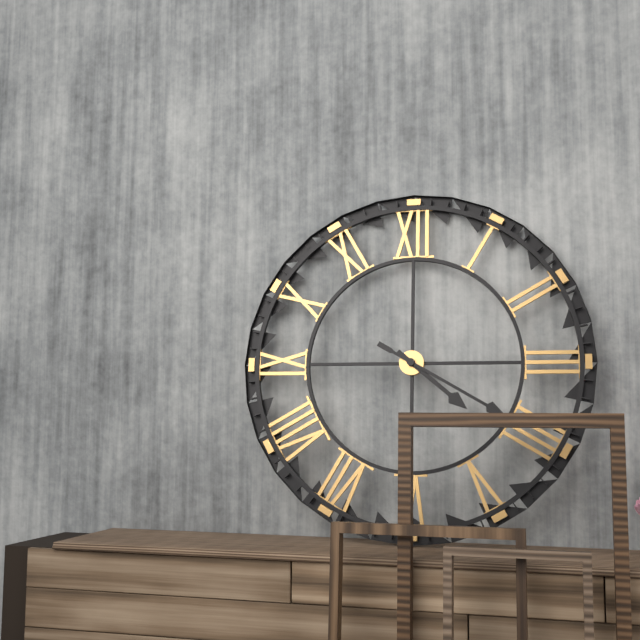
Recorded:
4.20
